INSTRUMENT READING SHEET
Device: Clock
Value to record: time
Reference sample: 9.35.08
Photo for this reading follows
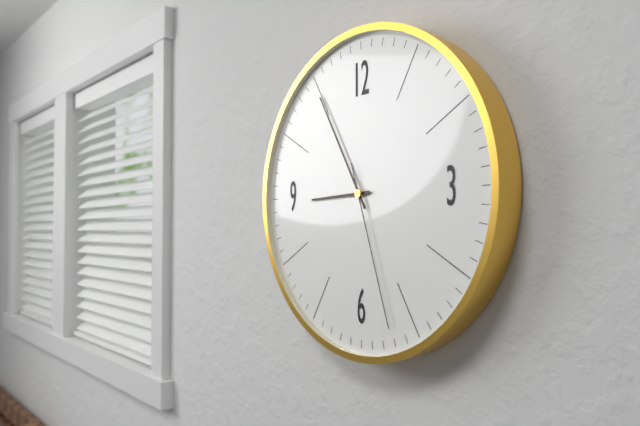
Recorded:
8.55.27
